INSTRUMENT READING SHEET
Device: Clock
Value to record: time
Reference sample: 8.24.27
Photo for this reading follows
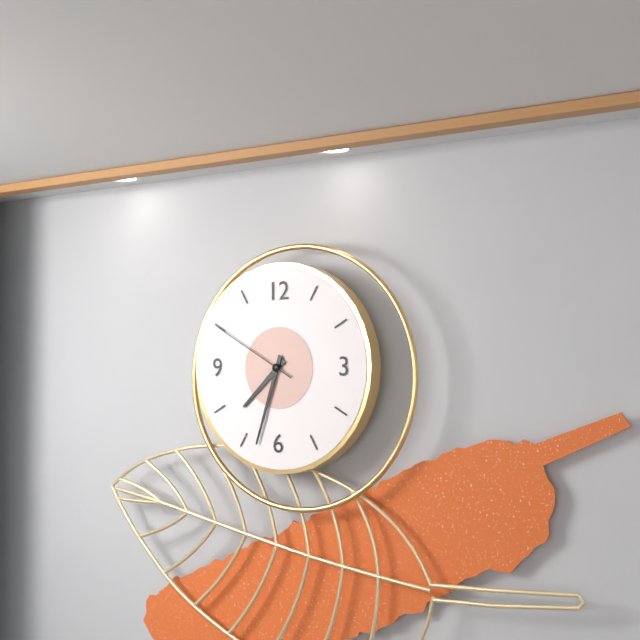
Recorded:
7.33.50
